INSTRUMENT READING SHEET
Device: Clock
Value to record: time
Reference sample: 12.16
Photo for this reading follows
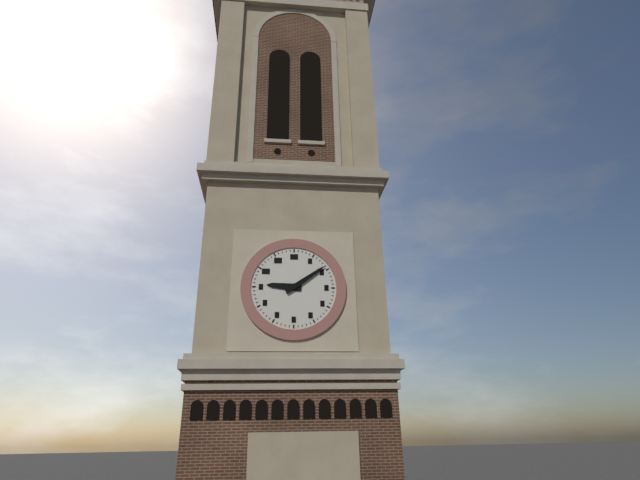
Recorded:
9.09
